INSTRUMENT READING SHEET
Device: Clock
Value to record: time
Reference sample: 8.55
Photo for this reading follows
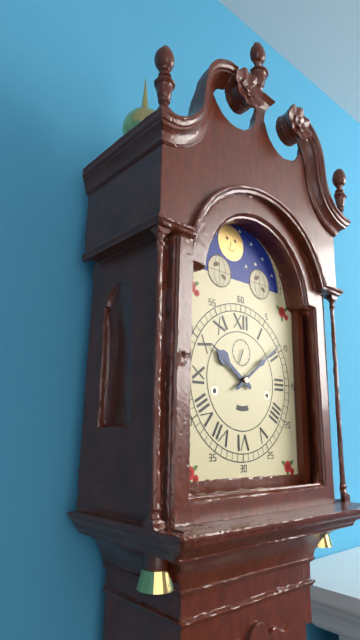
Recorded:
10.09
